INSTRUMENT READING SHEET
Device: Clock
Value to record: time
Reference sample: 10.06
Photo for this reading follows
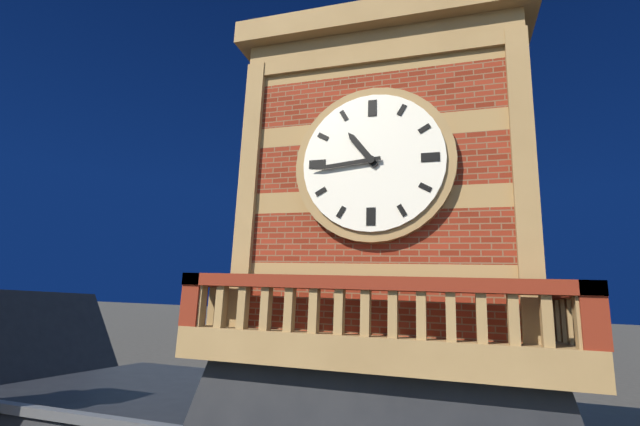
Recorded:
10.44
